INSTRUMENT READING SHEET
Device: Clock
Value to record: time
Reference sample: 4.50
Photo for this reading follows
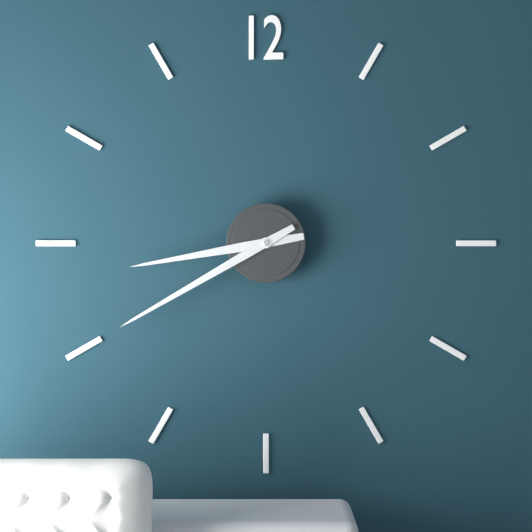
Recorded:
8.40
